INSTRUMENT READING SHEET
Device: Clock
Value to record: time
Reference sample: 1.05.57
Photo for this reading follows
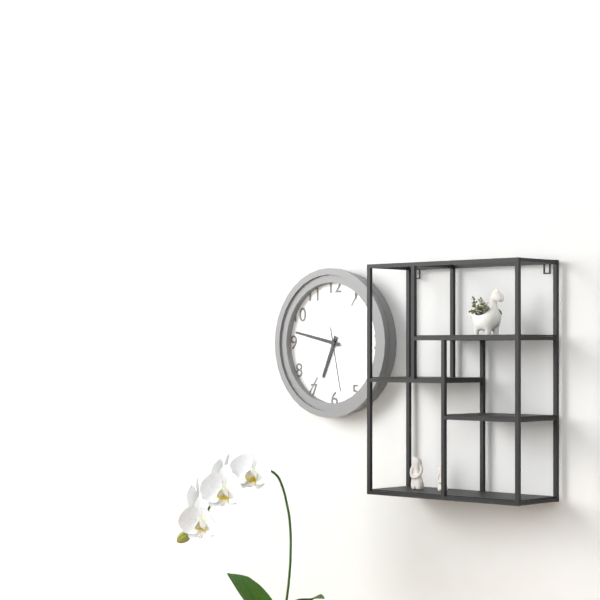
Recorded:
6.47.28
